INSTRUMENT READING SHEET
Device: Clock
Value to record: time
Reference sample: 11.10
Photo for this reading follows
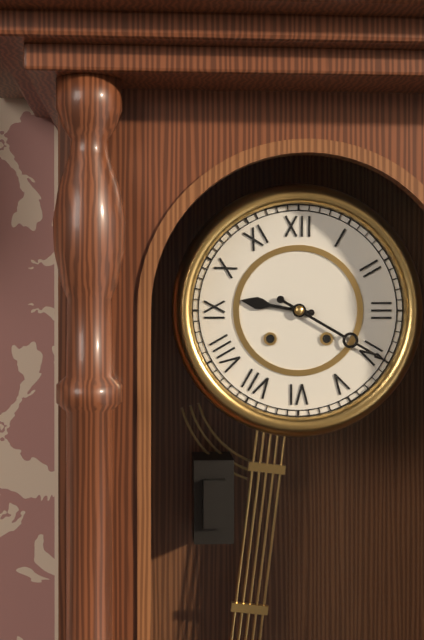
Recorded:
9.20
